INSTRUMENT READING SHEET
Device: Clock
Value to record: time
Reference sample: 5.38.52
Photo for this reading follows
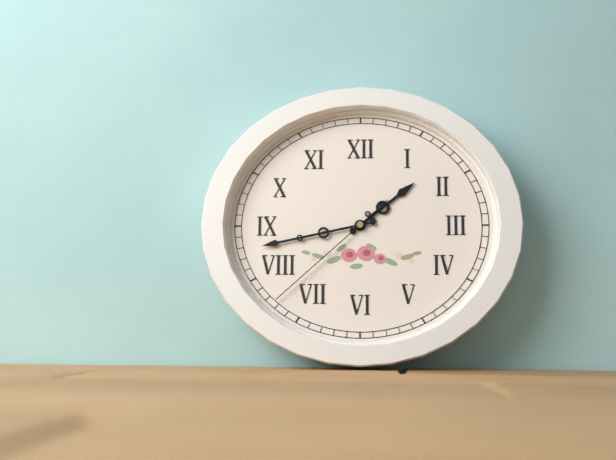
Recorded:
1.43.38
